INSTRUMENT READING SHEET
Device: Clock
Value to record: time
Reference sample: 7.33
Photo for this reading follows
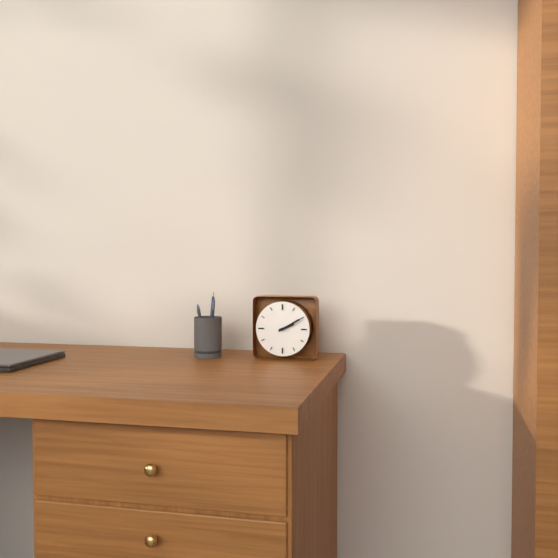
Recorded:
2.10
